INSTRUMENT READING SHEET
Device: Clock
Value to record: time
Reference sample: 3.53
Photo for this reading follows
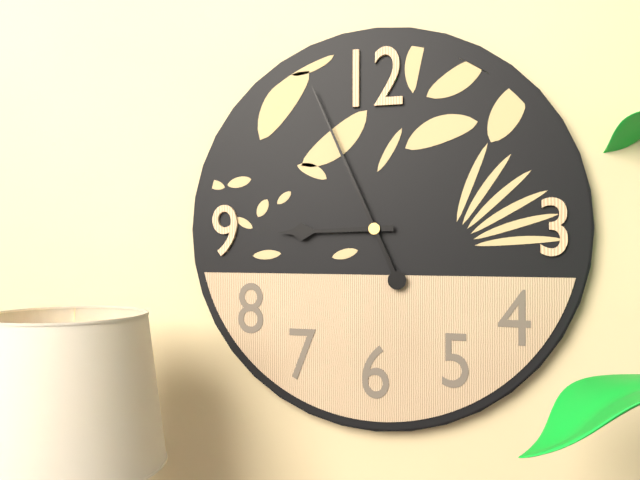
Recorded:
8.56
